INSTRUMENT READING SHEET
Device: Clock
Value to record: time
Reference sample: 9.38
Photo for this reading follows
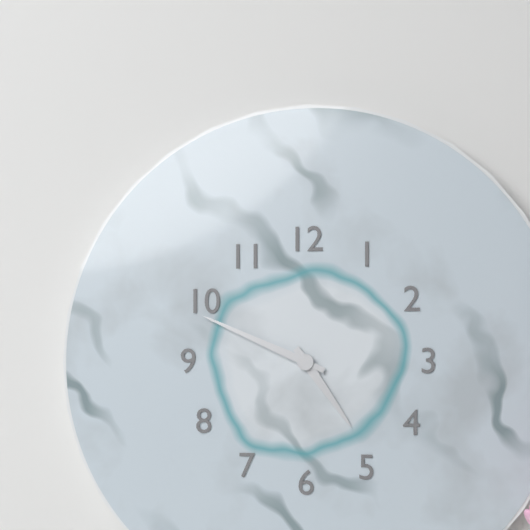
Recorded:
4.49
